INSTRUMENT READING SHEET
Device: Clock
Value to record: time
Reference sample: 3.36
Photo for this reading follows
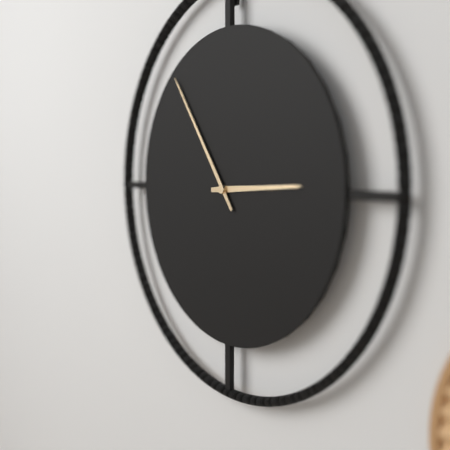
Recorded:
2.54
